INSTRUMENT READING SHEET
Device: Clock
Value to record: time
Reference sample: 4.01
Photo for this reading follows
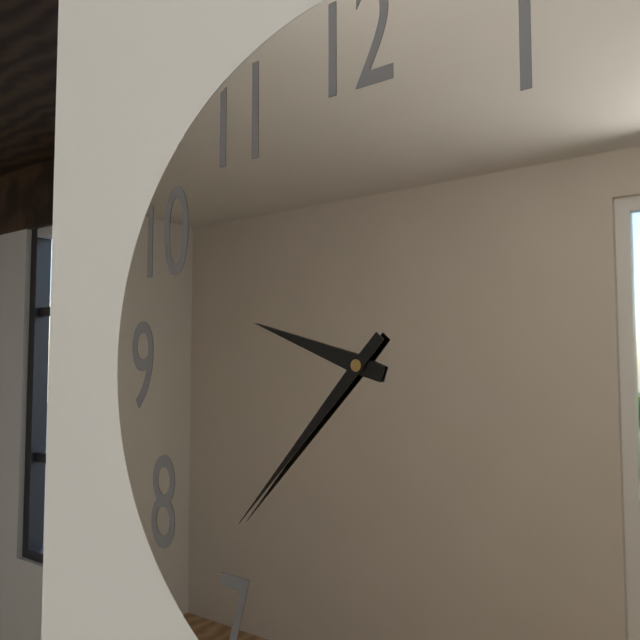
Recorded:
9.37
